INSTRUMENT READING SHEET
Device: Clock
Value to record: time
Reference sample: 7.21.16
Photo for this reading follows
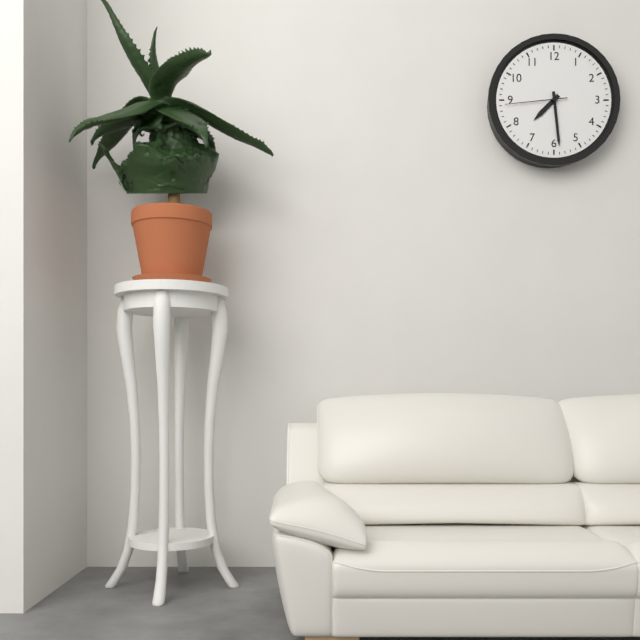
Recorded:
7.29.44
